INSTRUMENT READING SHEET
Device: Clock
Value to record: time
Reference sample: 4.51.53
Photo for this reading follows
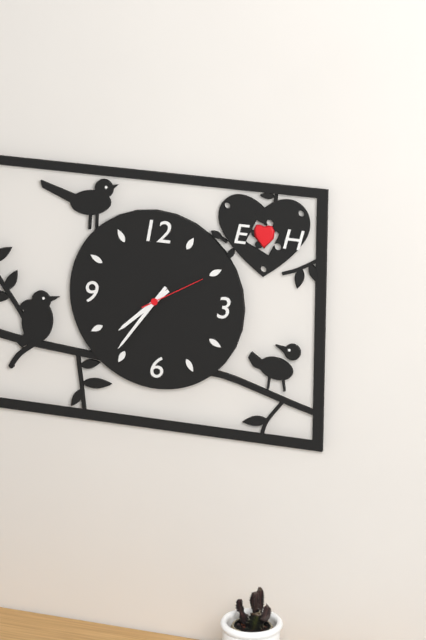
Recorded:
7.36.10
